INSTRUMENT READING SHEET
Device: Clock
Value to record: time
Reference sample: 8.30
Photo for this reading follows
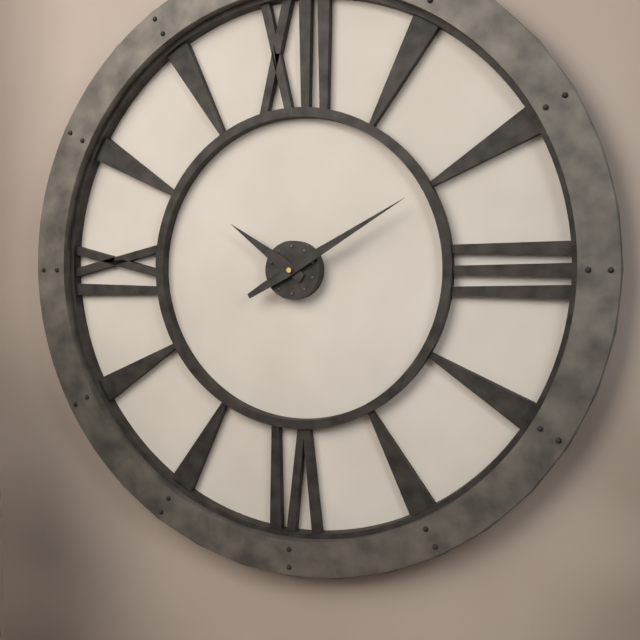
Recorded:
10.10
